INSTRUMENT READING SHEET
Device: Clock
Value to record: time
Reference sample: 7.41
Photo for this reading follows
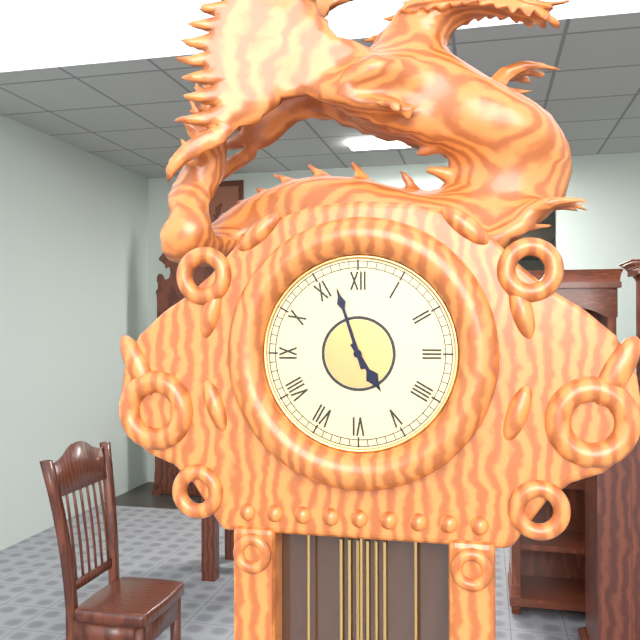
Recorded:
4.57
